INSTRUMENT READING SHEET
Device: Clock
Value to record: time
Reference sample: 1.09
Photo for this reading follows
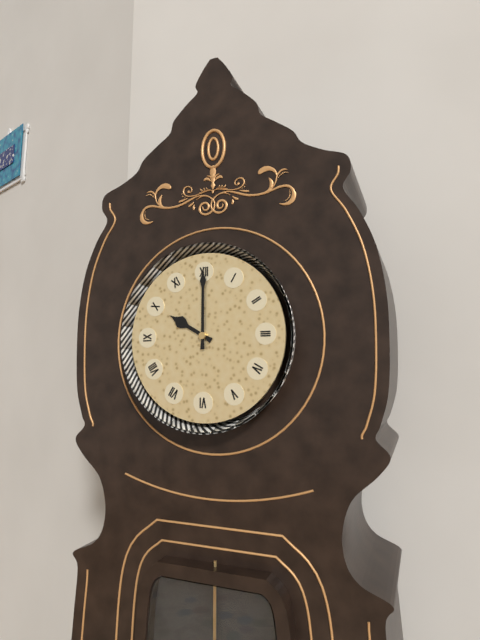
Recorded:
10.00
